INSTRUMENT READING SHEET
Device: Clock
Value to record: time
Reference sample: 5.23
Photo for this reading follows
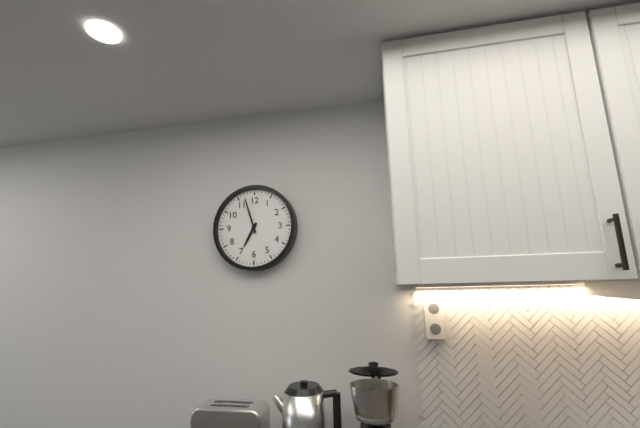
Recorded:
6.57
